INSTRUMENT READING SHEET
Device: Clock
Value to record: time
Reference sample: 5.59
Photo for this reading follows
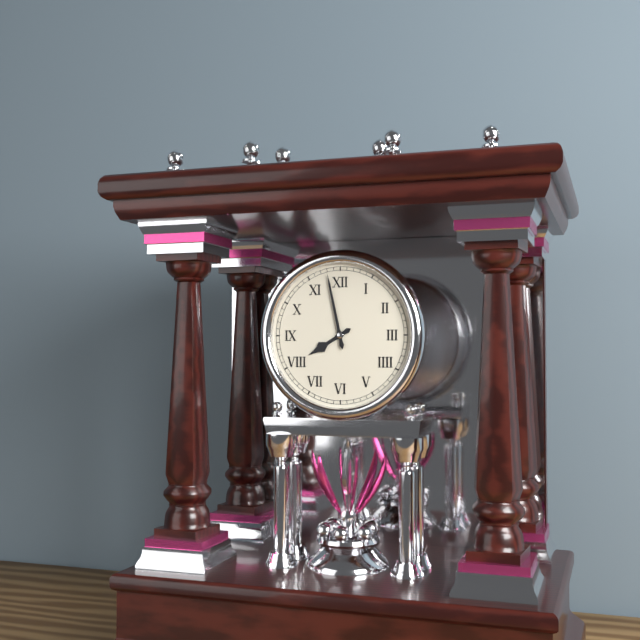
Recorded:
7.58
